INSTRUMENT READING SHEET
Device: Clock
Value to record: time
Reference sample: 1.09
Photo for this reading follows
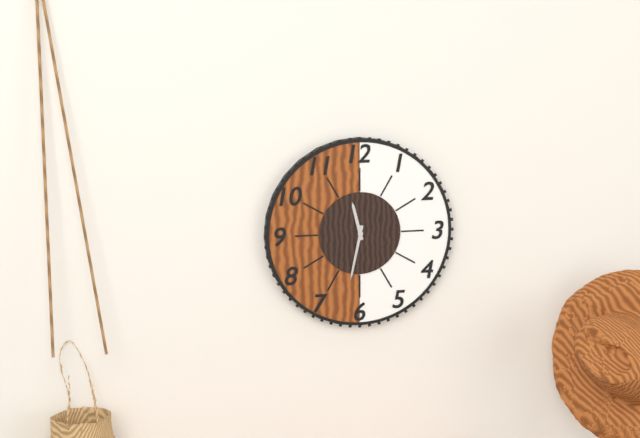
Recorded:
11.32
